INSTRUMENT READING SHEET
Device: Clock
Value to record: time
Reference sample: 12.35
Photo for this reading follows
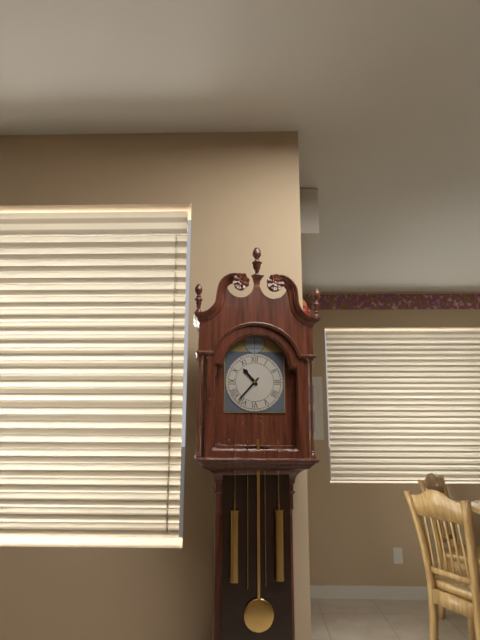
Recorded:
10.37
